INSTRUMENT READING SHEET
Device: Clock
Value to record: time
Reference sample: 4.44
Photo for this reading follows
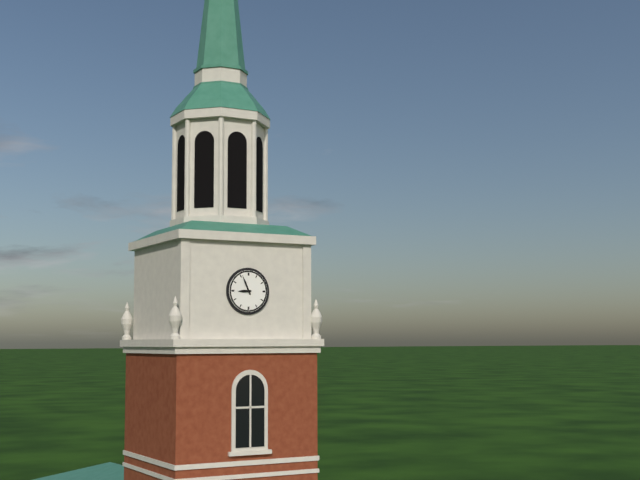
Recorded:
8.56
